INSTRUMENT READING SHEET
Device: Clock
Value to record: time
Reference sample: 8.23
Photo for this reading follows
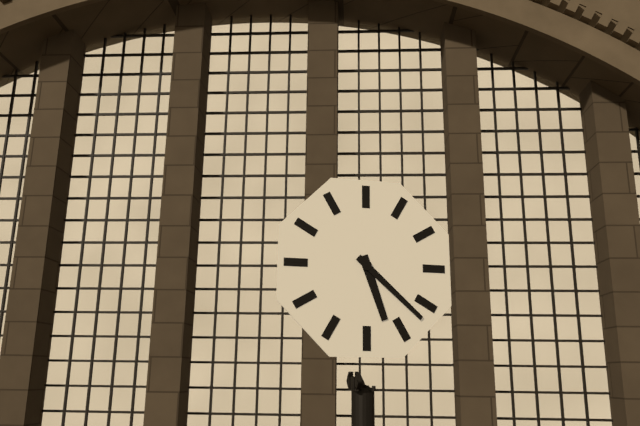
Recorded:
5.22
